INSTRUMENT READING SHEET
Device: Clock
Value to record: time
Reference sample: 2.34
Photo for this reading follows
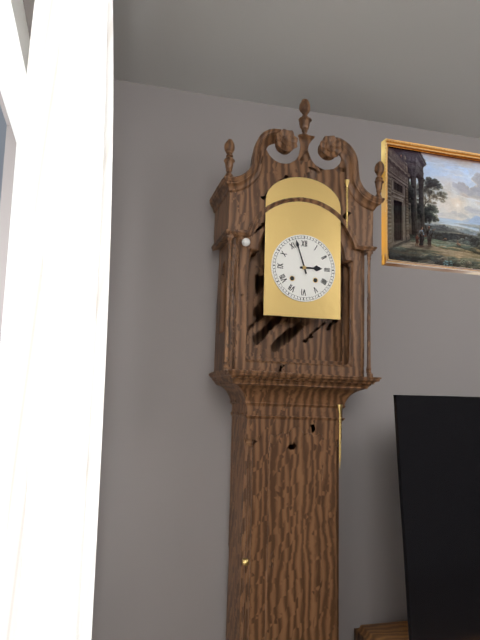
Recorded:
2.57
